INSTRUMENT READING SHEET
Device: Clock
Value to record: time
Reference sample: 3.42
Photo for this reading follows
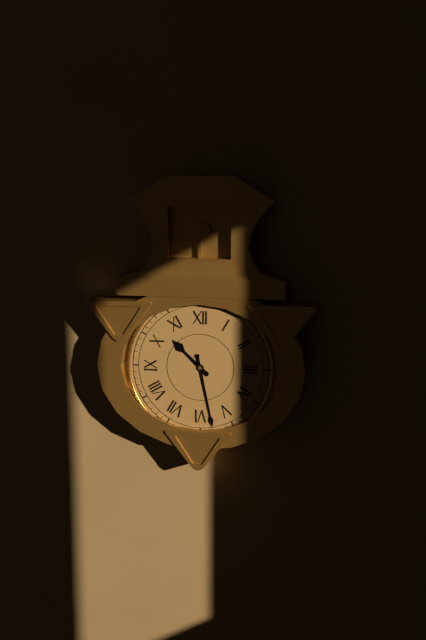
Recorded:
10.28
